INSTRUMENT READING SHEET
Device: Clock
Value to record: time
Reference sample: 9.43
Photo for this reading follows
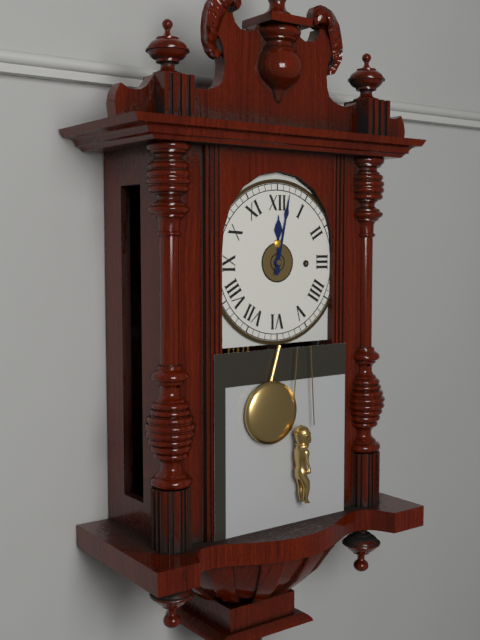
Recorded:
12.02
